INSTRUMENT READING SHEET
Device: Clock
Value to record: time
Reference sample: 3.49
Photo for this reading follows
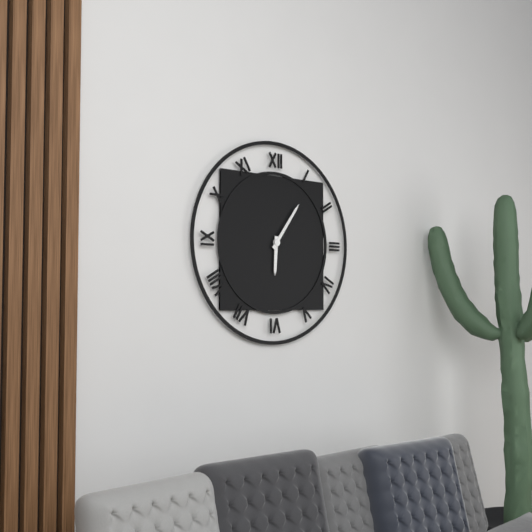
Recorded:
6.06
